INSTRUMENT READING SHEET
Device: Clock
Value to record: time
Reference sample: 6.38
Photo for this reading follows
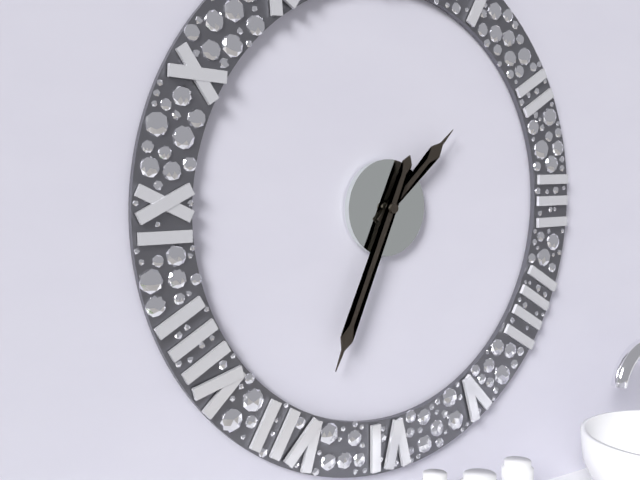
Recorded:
1.34
